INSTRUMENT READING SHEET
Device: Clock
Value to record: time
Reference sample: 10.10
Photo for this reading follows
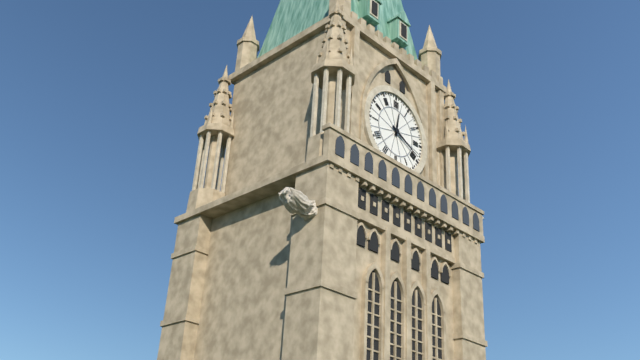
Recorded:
12.19
